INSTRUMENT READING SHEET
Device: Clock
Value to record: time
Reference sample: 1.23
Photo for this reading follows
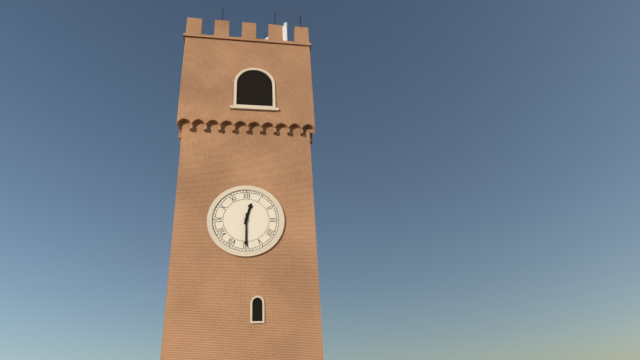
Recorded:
12.30
